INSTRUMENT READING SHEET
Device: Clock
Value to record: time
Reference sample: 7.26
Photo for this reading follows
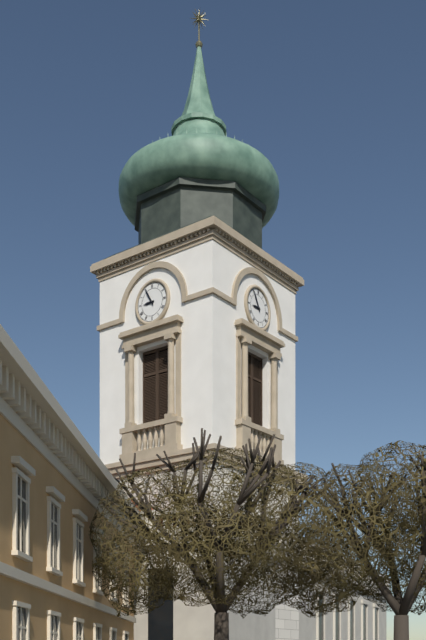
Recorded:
8.55
